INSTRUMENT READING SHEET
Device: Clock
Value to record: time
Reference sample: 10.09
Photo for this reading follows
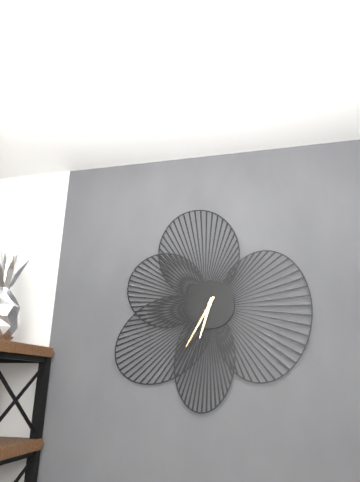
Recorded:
6.35
